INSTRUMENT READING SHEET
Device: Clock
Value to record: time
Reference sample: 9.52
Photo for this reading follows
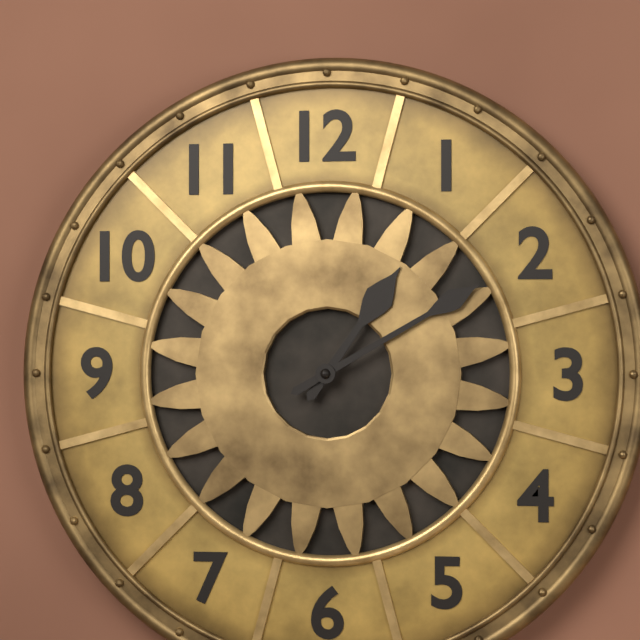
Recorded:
1.10
